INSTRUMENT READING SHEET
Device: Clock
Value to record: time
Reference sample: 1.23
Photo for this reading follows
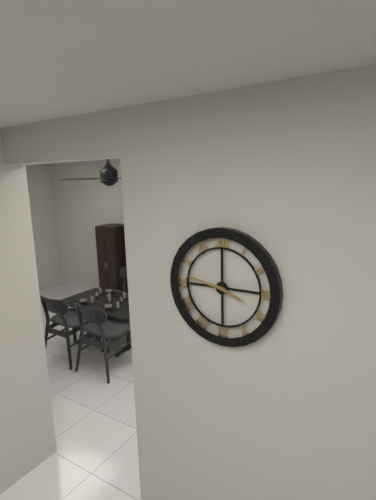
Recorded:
3.47
